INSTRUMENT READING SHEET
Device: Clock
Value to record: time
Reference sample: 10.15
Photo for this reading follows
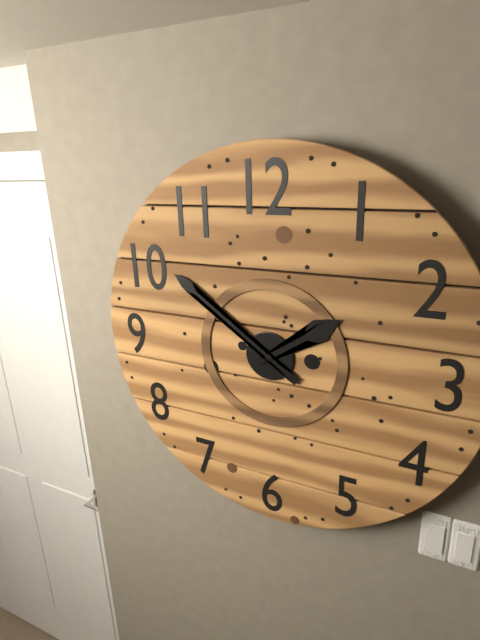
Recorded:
1.51
